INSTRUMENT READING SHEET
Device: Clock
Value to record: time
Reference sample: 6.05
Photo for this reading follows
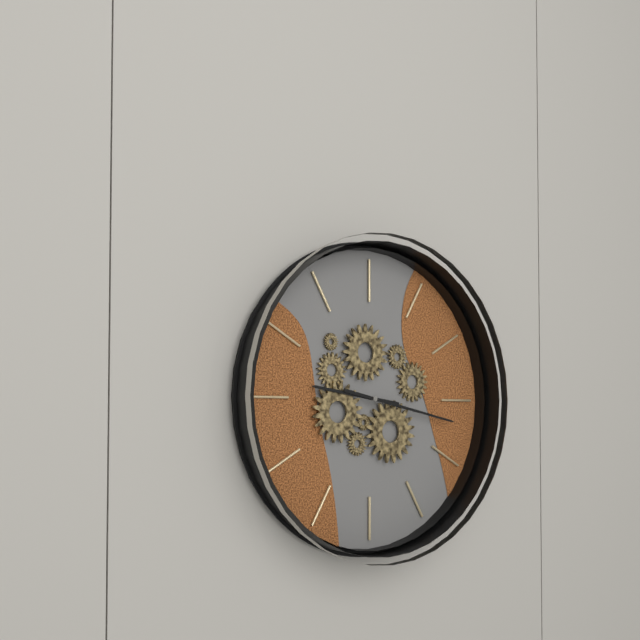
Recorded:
9.17
